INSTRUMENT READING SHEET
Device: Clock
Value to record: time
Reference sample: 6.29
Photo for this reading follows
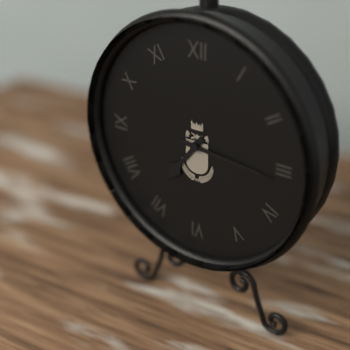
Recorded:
7.16
